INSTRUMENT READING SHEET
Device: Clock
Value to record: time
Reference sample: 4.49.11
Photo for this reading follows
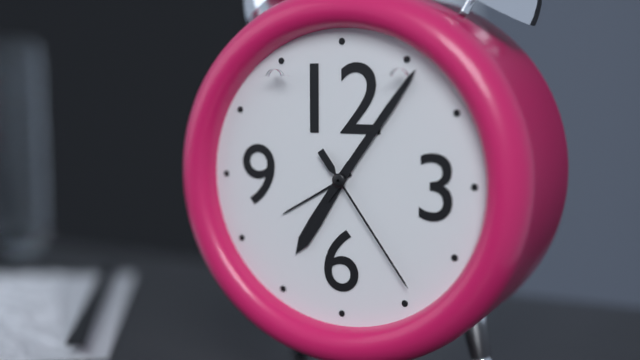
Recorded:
7.06.24
